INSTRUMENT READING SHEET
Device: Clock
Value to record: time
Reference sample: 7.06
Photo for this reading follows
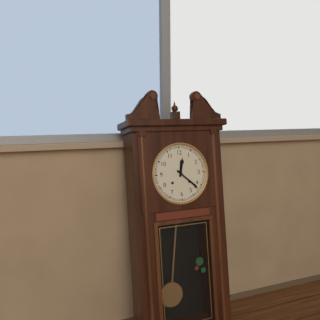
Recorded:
12.22
